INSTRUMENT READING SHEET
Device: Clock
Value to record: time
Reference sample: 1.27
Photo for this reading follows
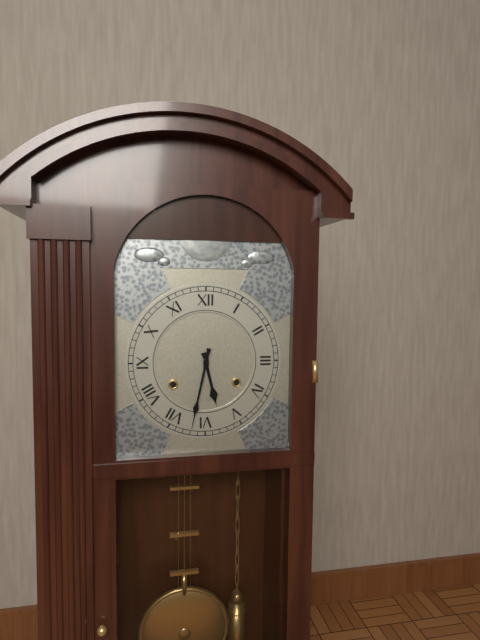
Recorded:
5.32
